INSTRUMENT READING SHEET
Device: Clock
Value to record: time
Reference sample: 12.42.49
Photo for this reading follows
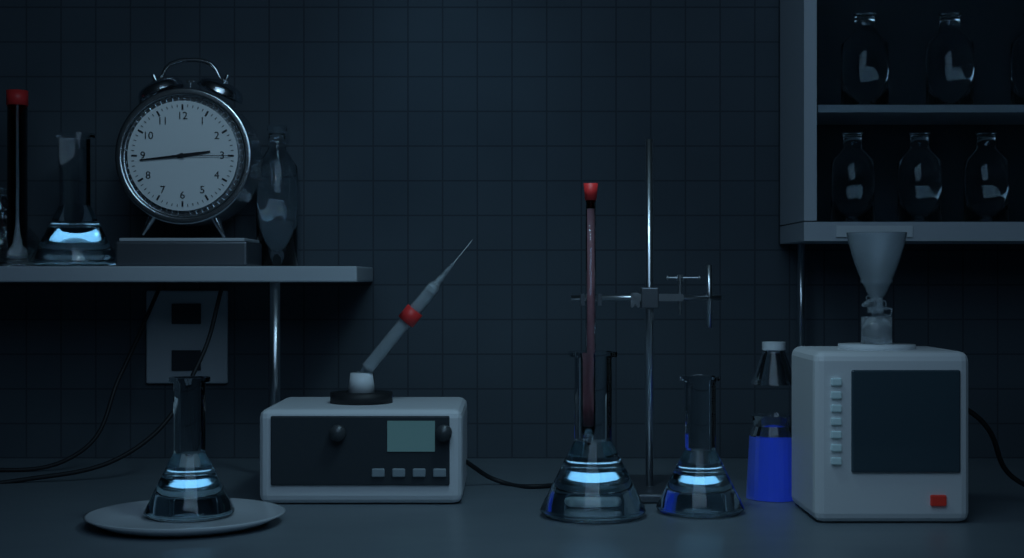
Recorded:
2.44.15
